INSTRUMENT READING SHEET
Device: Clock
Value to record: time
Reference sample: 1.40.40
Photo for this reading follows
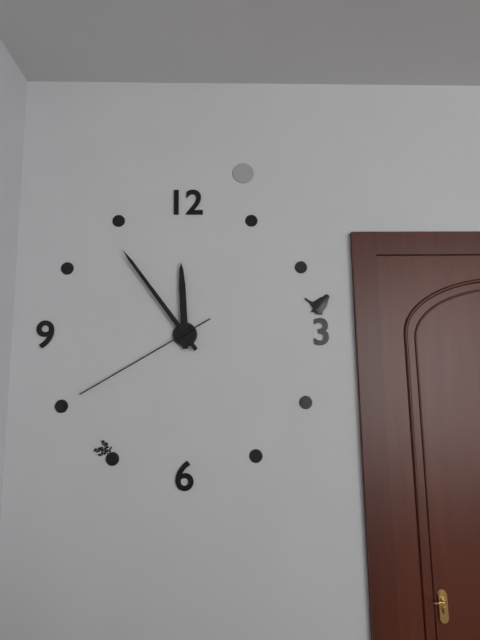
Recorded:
11.54.40
